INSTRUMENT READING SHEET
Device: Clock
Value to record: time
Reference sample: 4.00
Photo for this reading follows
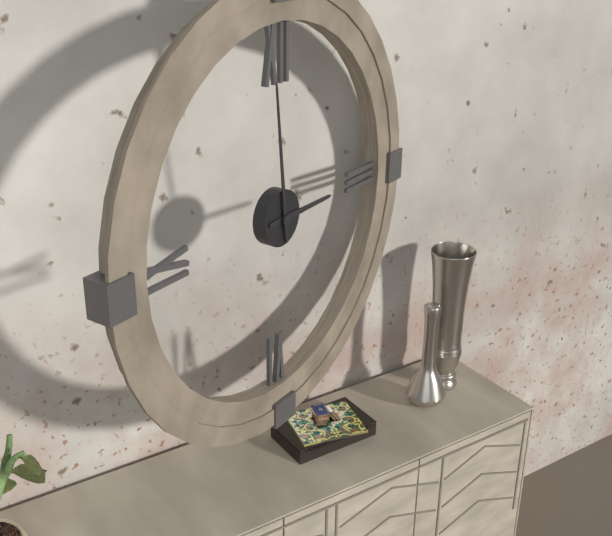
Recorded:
2.59
